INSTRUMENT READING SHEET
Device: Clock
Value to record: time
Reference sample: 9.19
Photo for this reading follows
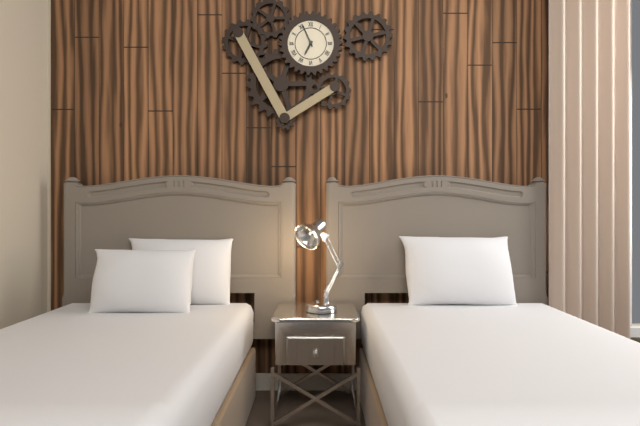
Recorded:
6.56
